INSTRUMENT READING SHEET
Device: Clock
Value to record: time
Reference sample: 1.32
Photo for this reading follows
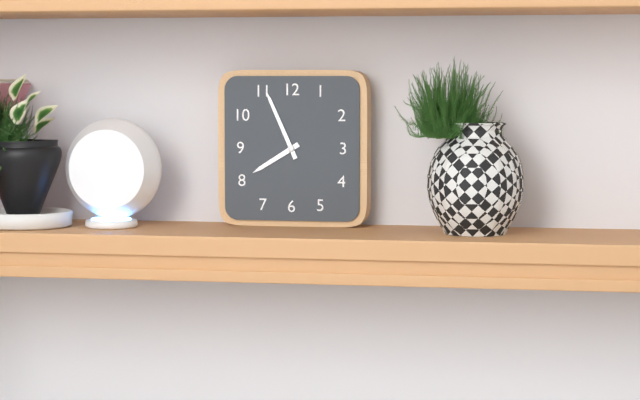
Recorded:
7.56
